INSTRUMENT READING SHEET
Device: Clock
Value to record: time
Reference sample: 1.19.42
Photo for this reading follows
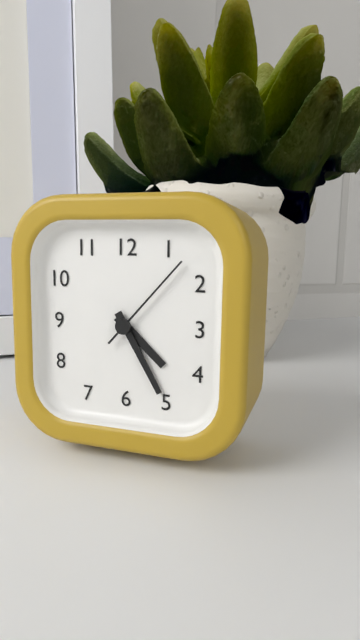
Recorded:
4.25.07
